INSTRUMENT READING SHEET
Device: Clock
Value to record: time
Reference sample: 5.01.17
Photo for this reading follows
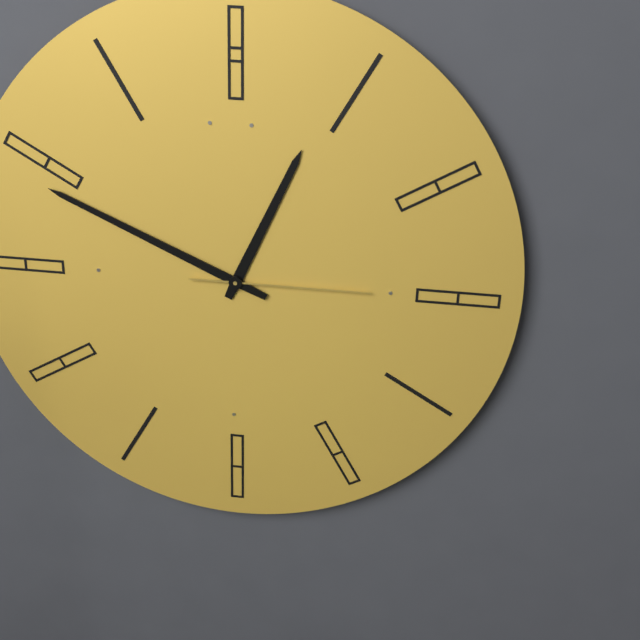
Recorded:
12.49.15
